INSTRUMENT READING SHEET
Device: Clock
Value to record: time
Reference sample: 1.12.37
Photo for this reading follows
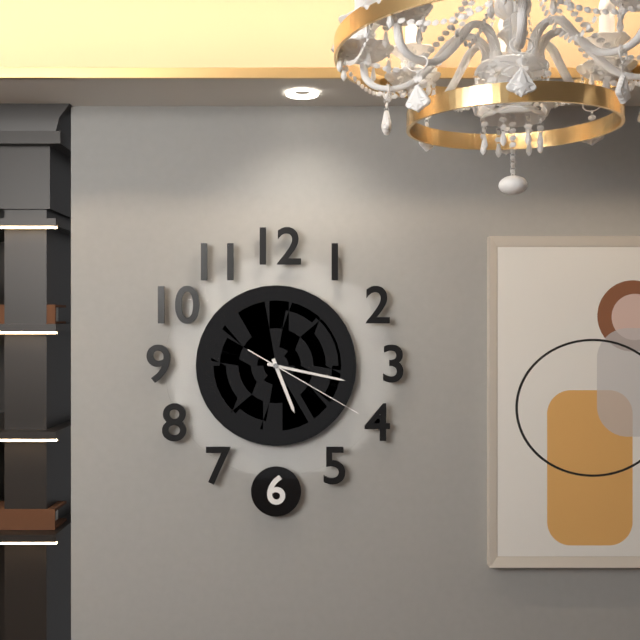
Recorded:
5.17.20
